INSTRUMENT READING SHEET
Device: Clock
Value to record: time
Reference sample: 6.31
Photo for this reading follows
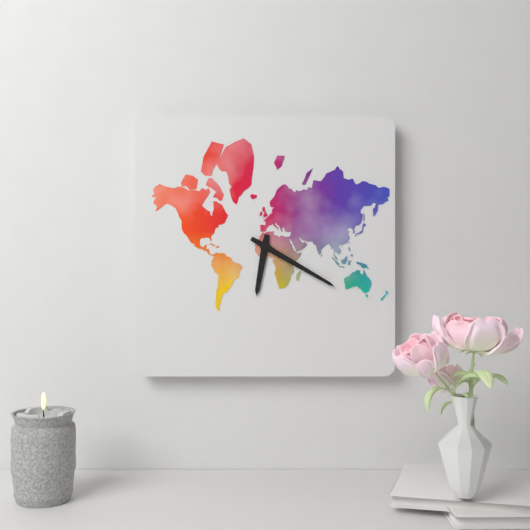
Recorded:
6.20
